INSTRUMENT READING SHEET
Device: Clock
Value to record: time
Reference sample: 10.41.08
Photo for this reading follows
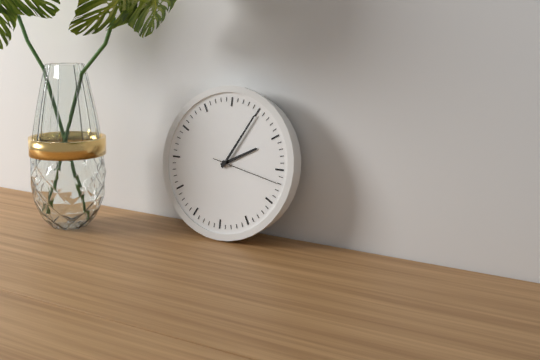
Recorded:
2.05.17
